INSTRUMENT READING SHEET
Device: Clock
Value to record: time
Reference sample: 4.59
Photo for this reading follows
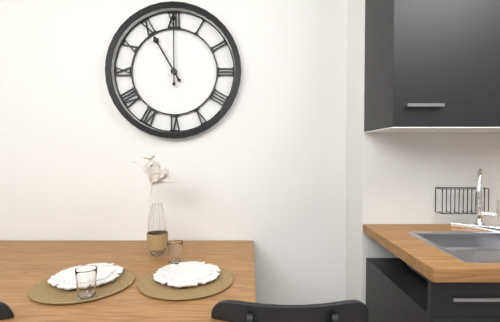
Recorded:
11.00
